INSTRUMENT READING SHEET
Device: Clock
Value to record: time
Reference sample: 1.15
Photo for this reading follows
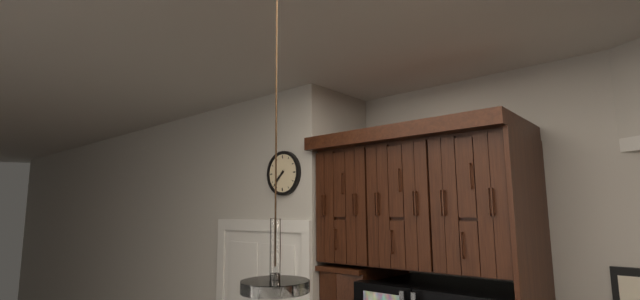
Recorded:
7.37
